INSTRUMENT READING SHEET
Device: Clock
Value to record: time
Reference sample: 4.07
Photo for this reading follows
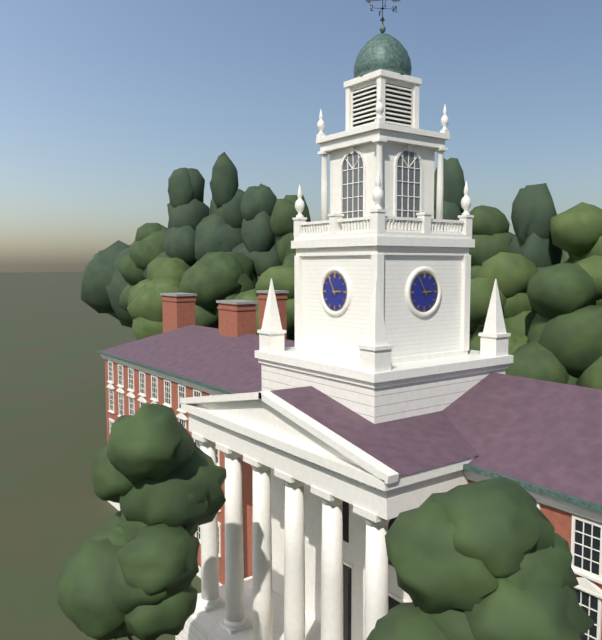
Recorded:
2.55
